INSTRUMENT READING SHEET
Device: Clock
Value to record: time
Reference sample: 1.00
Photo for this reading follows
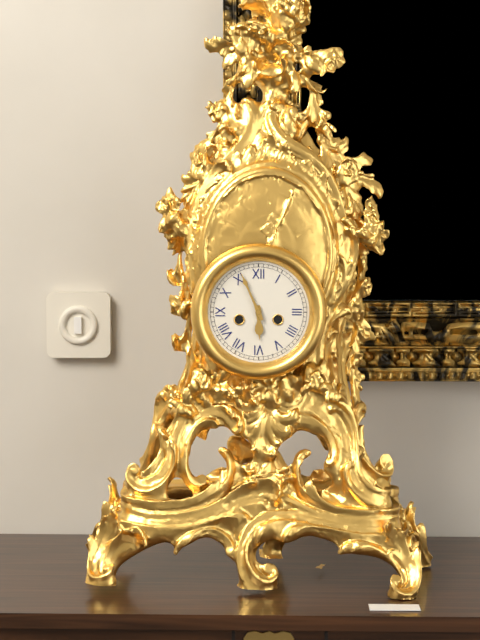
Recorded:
5.56
